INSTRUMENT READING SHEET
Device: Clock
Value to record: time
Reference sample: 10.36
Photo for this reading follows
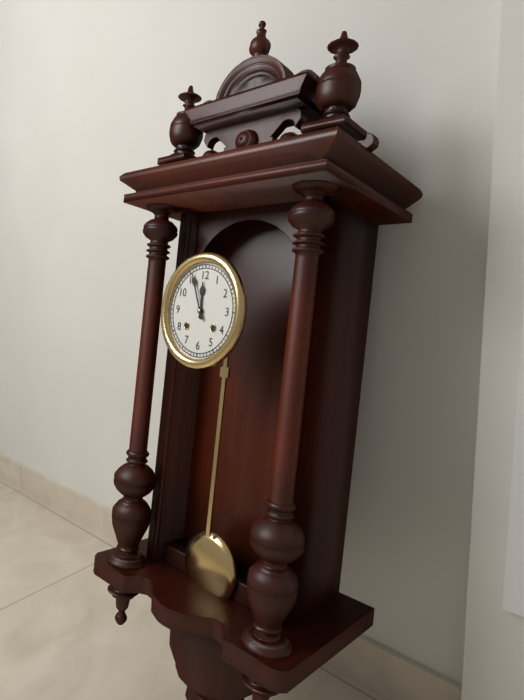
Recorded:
11.56
